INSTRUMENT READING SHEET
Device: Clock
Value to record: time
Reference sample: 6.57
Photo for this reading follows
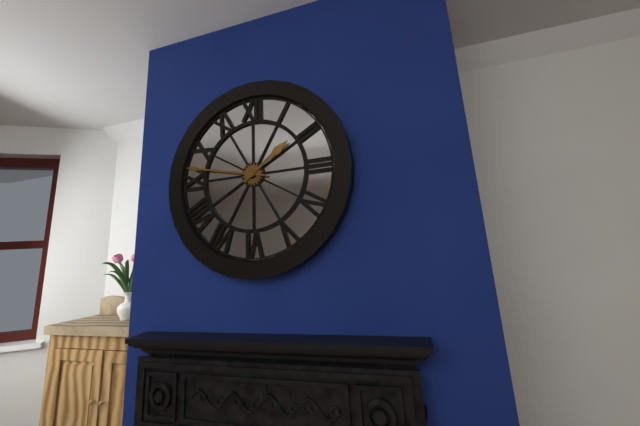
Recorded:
1.47
